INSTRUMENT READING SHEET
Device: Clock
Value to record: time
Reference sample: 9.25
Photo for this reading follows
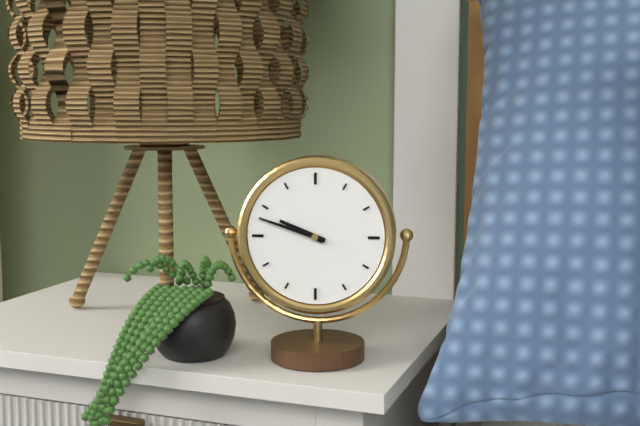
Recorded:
9.48
